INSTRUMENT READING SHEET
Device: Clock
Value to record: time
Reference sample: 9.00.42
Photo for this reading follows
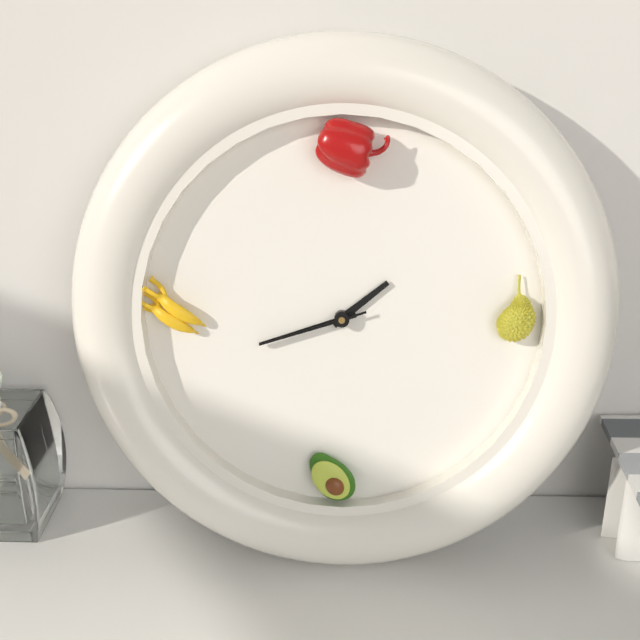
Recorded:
1.42.42
